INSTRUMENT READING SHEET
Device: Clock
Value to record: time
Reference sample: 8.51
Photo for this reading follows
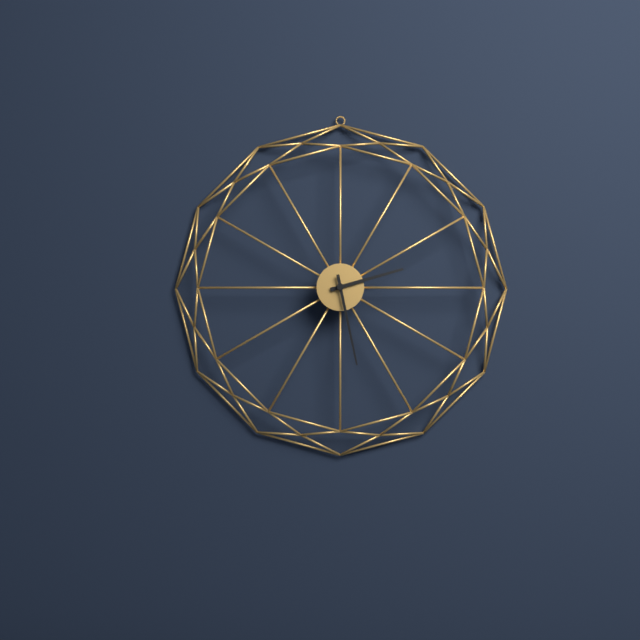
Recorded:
2.28
